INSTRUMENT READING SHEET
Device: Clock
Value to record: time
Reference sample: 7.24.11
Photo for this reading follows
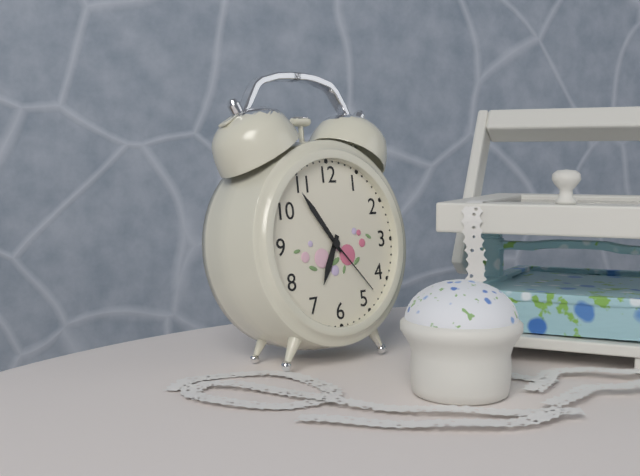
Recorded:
6.54.23
